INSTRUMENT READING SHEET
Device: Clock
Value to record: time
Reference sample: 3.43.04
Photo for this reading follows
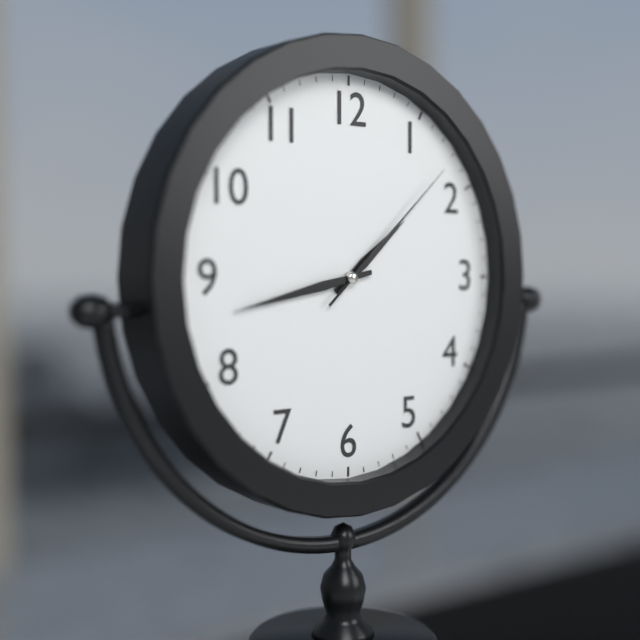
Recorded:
1.43.08
